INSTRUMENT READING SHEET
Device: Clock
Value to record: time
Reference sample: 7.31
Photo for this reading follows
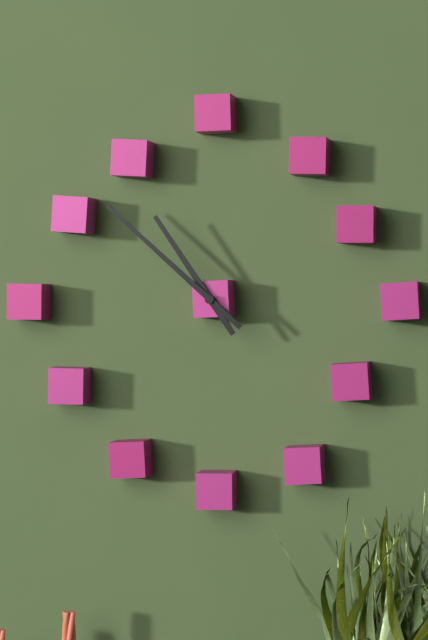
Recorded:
10.52
